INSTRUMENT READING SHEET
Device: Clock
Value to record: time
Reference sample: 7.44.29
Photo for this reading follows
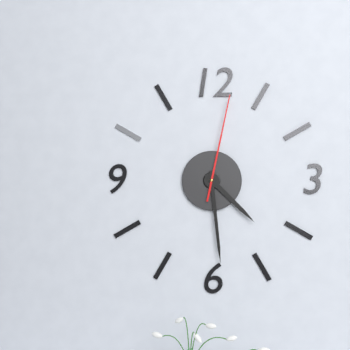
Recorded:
4.29.02
